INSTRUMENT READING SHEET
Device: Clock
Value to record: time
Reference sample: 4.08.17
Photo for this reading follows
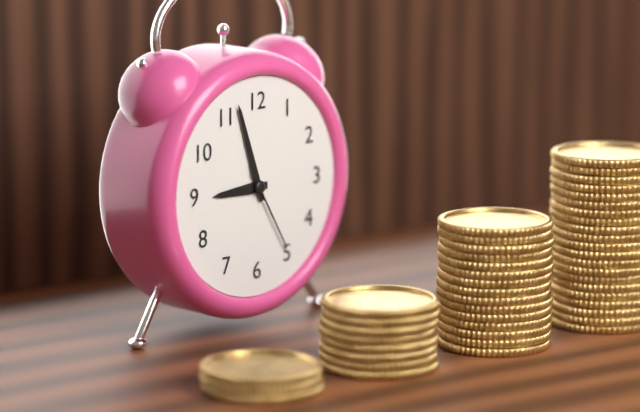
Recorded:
8.57.25
